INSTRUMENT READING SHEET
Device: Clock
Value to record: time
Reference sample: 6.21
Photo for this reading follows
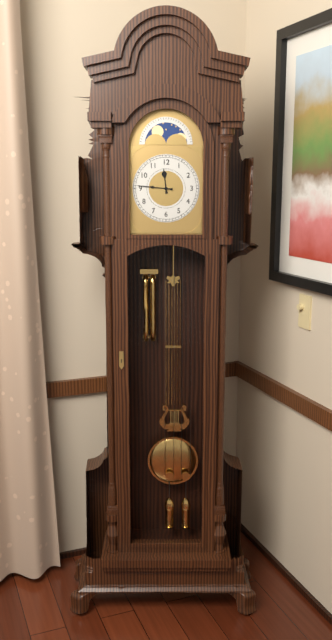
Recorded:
11.46
